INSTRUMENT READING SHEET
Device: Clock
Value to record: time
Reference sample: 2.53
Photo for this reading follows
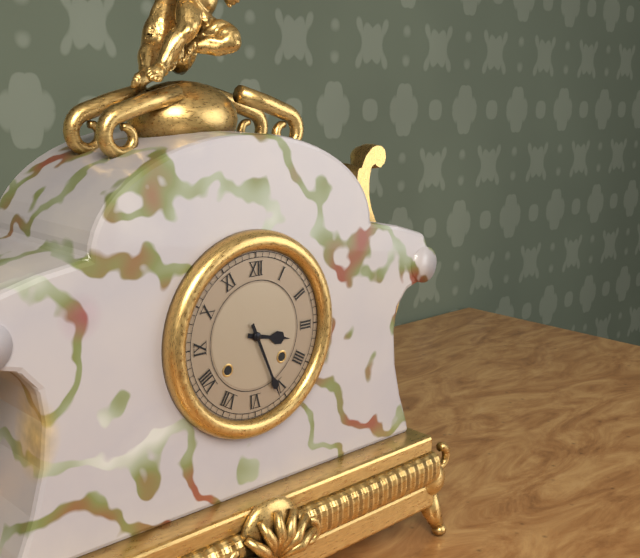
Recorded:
3.26
